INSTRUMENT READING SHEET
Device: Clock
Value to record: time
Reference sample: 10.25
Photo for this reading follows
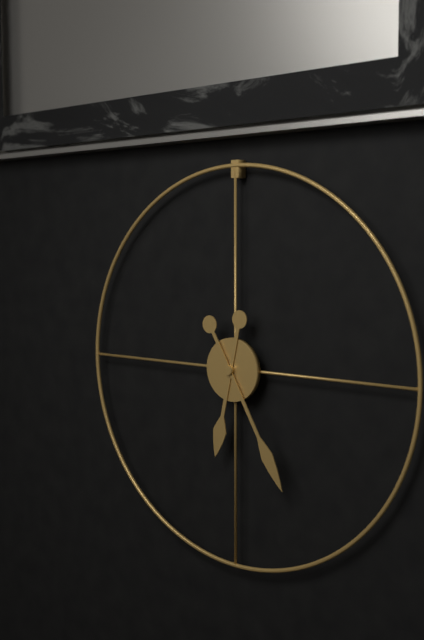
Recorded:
6.25
